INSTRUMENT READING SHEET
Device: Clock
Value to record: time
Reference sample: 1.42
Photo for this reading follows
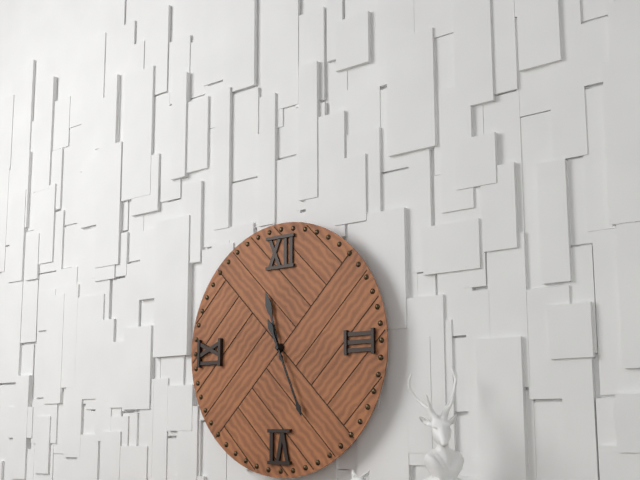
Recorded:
11.26
